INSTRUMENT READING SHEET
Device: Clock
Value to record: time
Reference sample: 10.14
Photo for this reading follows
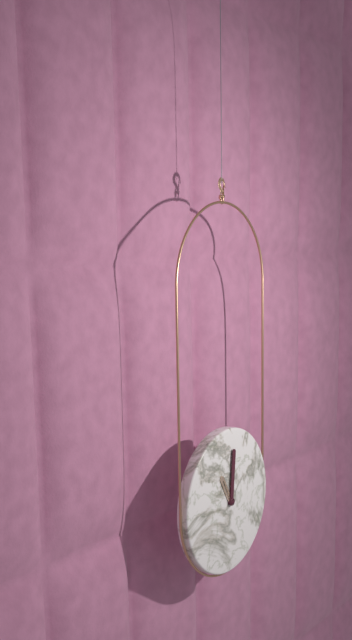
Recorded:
11.01
